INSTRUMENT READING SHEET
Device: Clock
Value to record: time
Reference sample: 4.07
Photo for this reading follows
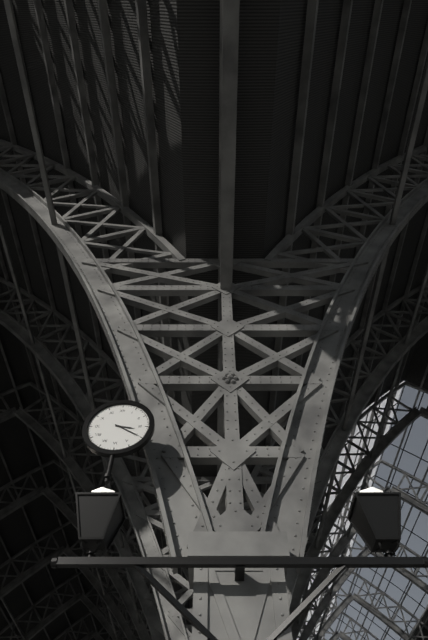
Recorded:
3.20
